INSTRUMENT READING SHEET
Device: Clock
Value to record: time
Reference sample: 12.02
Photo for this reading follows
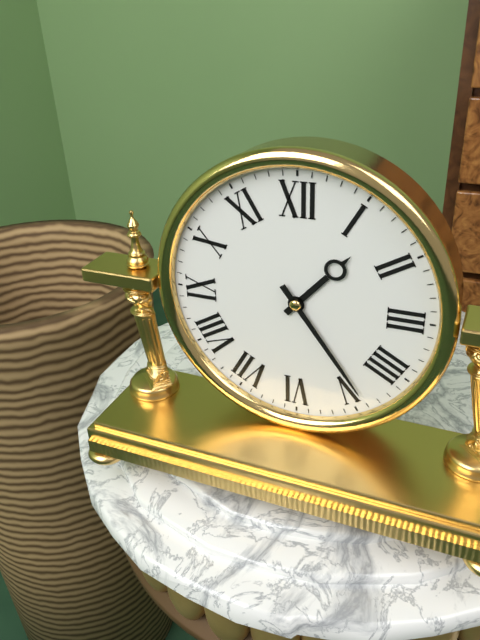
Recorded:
1.24
